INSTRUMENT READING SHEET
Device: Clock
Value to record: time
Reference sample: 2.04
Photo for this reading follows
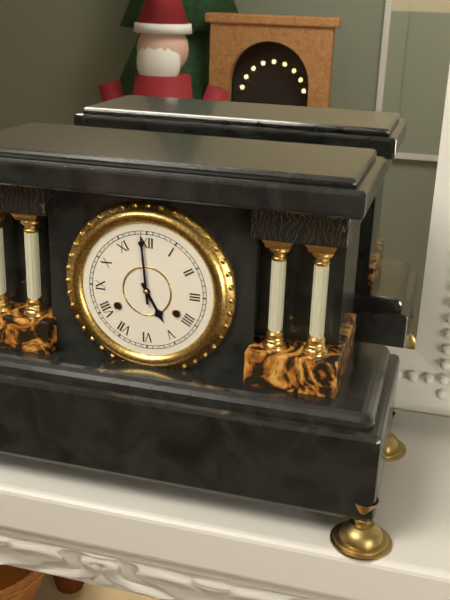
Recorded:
4.59
